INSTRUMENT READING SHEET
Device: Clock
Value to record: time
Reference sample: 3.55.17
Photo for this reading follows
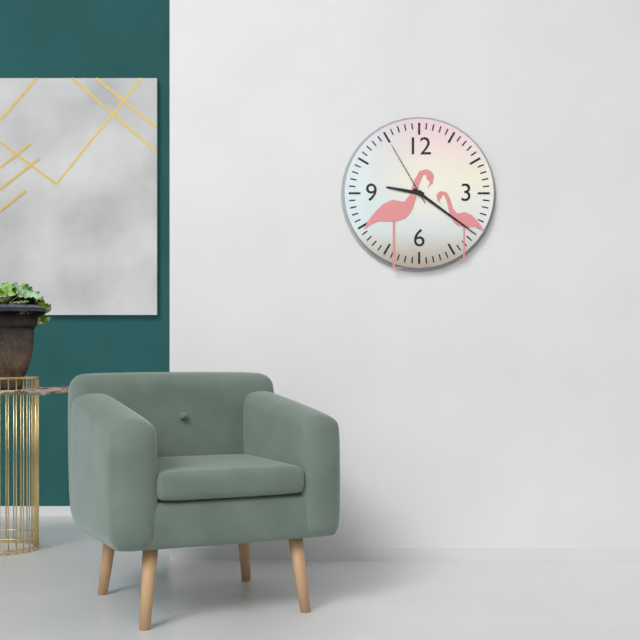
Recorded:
9.21.55
